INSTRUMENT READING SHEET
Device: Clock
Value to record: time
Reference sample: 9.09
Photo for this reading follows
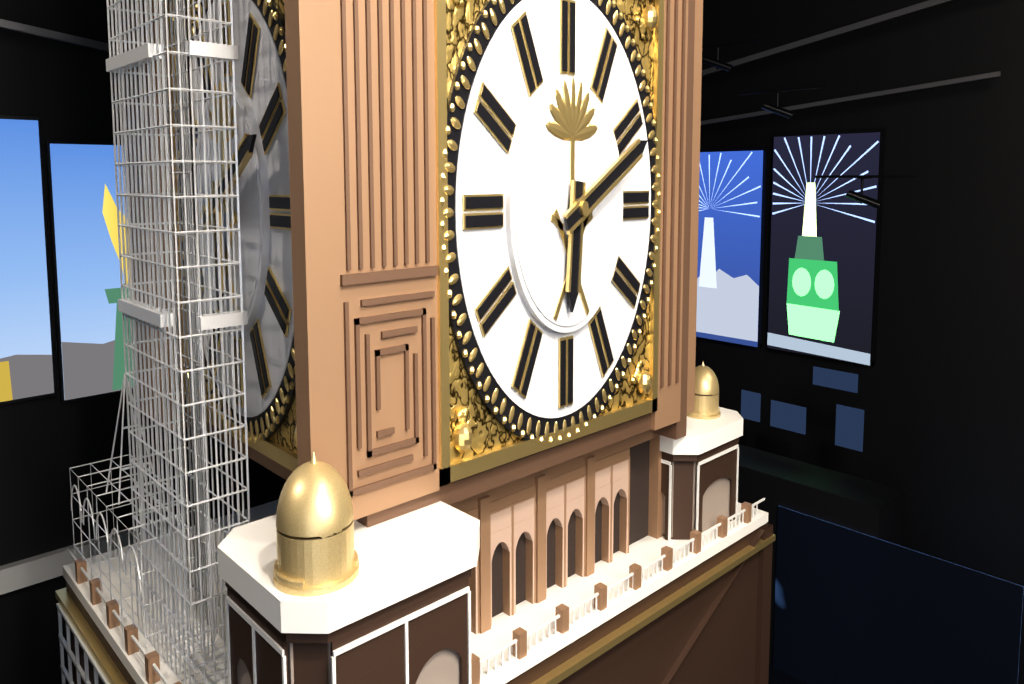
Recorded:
6.11
